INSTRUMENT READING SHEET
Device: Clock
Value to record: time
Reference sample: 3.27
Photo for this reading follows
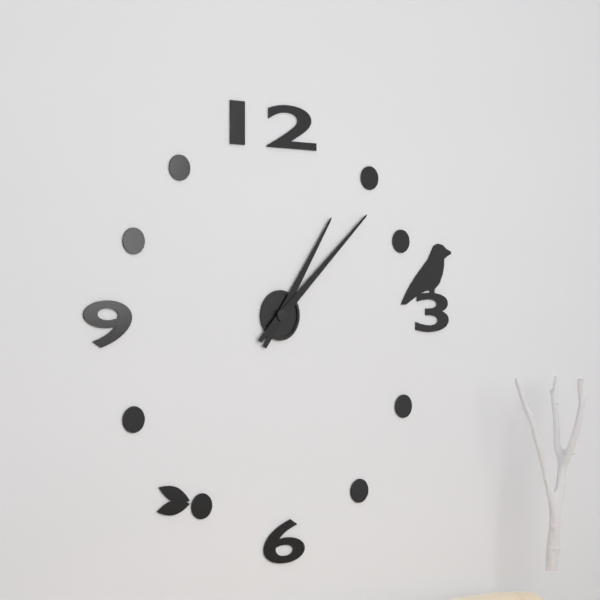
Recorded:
1.08
